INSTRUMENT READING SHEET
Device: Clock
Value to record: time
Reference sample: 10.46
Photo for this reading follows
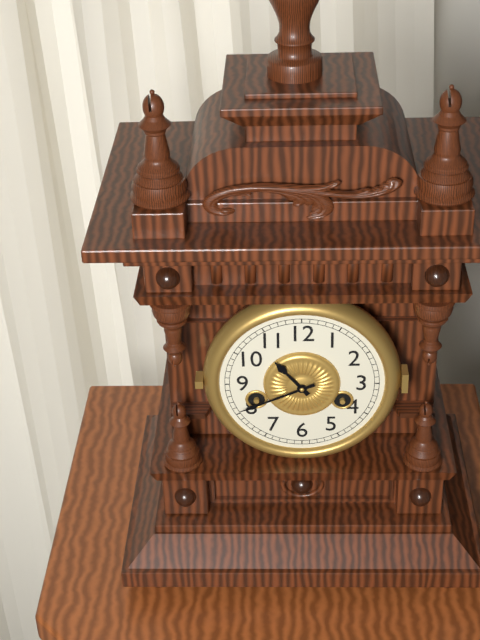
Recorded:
10.41
